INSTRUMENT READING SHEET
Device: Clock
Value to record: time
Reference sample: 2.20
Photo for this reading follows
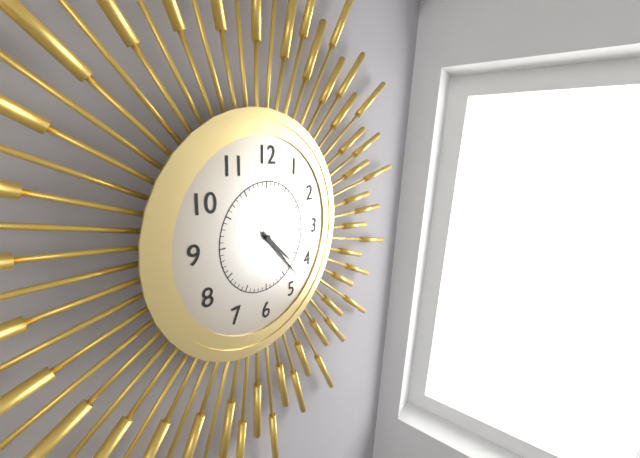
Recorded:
4.23
